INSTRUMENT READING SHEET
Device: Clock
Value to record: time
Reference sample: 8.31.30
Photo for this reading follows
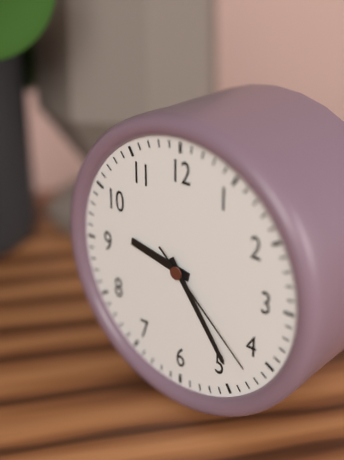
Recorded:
9.24.22
